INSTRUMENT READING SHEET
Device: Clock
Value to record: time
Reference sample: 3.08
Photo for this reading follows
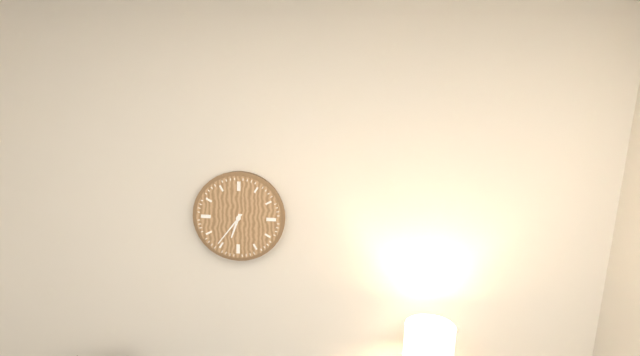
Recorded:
6.36
